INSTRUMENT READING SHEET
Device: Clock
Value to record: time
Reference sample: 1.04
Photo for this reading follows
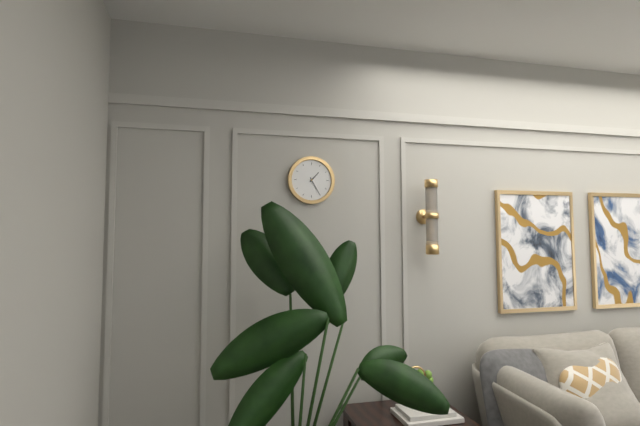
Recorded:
1.25
